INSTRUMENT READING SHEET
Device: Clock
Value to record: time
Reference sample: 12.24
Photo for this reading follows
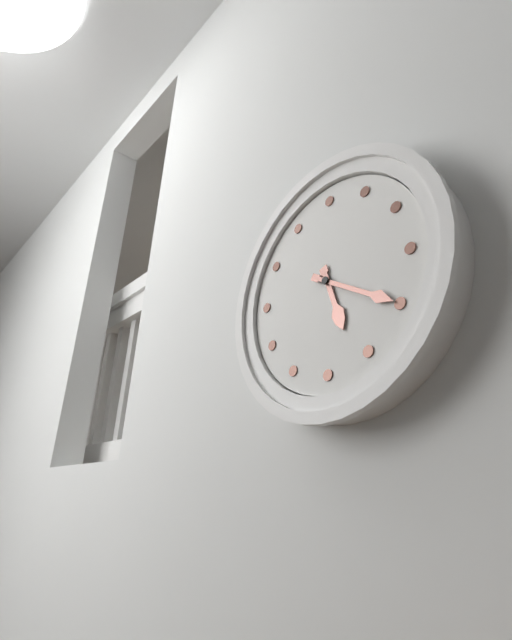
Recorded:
5.20
